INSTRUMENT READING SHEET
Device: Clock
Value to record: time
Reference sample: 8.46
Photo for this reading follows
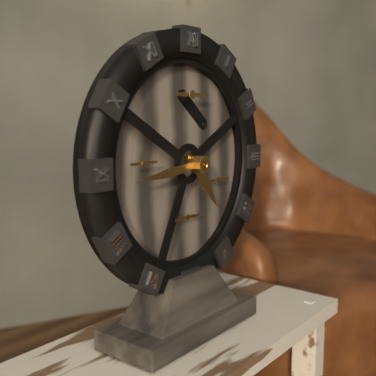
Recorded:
4.44
